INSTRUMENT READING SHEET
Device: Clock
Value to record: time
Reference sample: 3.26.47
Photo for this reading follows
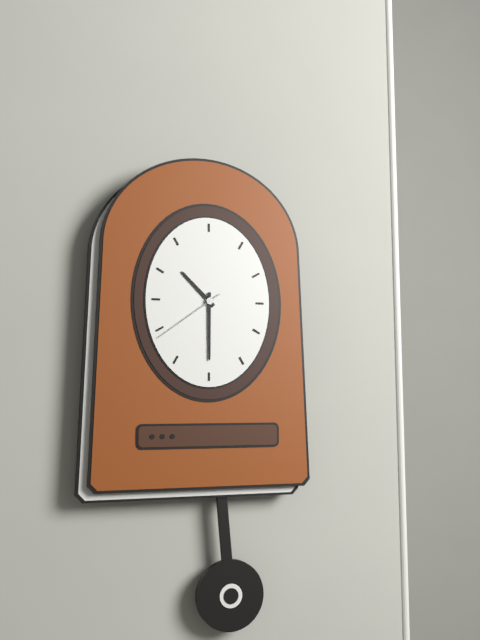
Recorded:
10.30.39
